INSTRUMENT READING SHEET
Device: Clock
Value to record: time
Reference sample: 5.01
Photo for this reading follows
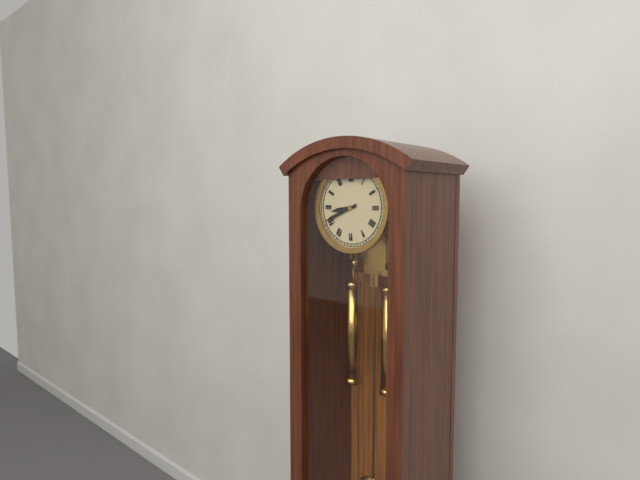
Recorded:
8.41
